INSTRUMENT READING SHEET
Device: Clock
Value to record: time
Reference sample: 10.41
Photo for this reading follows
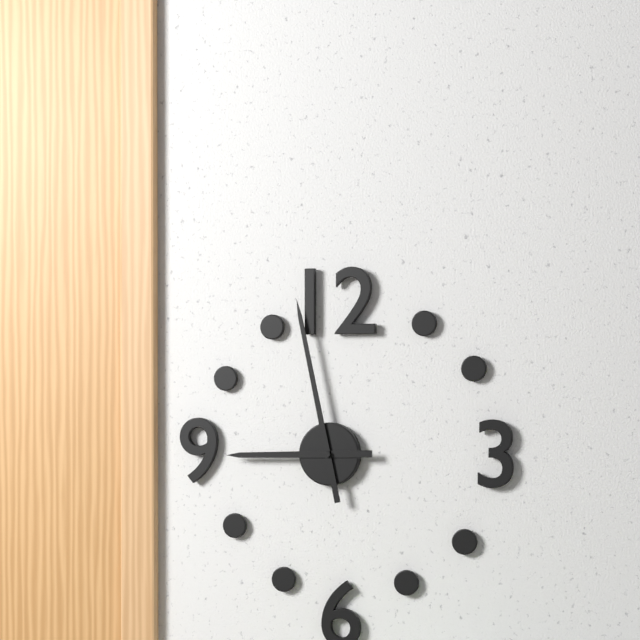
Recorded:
8.58
